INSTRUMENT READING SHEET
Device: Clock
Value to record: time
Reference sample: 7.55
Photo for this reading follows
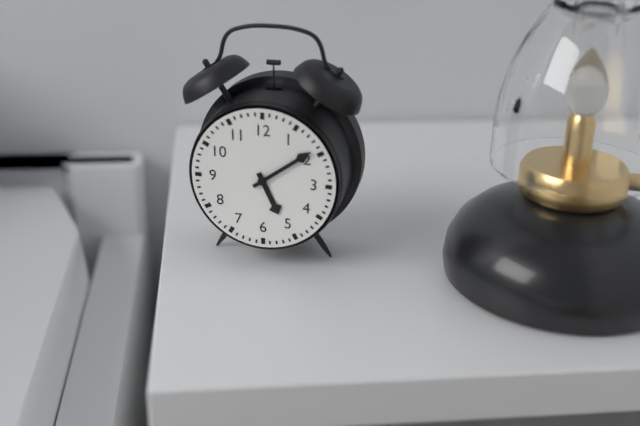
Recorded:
5.09
